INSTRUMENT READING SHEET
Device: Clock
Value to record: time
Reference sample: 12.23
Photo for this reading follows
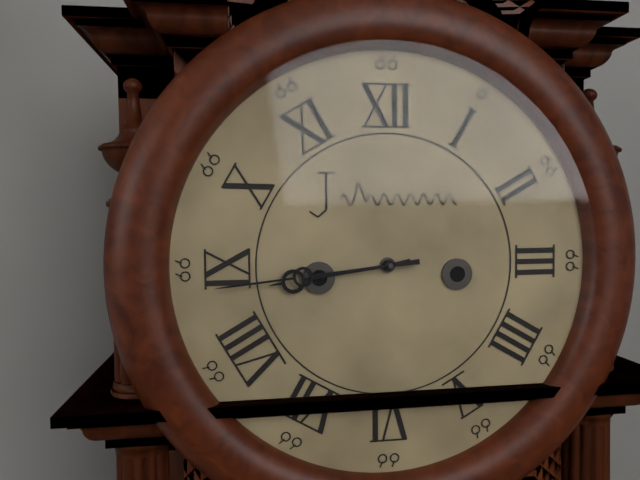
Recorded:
8.44
